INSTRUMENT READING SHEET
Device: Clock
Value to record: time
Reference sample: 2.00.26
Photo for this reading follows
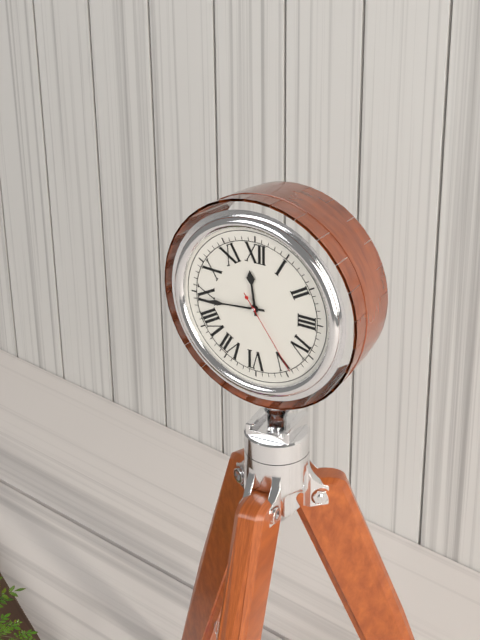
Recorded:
11.44.24
